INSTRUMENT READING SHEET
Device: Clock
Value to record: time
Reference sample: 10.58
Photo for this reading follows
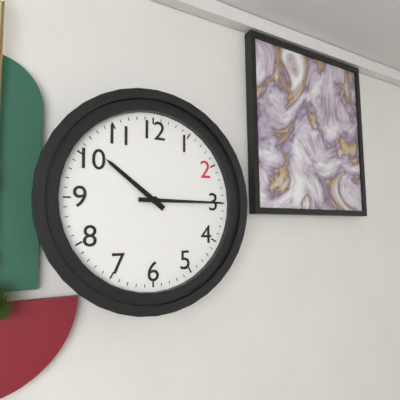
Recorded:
10.15
